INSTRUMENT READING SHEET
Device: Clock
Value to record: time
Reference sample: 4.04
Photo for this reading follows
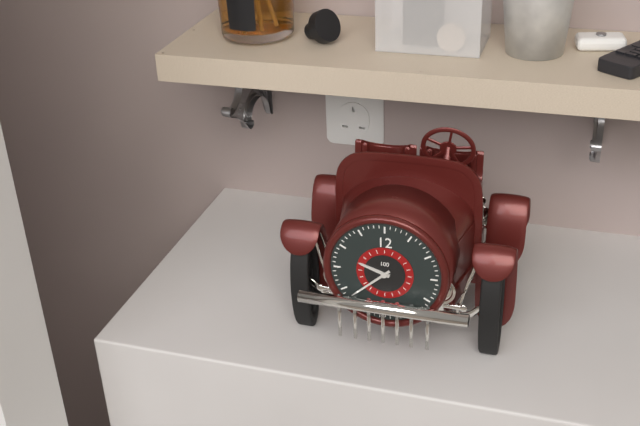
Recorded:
9.38
